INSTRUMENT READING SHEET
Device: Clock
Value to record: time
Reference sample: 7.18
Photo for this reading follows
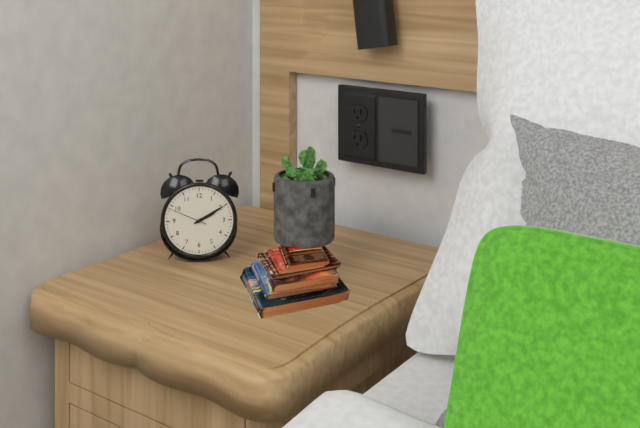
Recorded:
2.10
